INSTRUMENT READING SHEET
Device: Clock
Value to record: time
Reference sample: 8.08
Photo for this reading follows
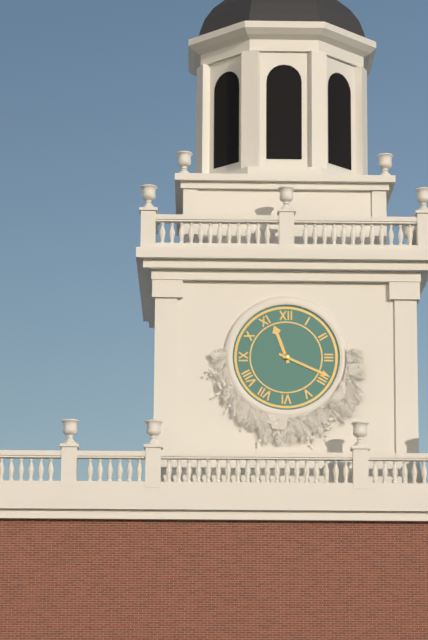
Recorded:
11.19
